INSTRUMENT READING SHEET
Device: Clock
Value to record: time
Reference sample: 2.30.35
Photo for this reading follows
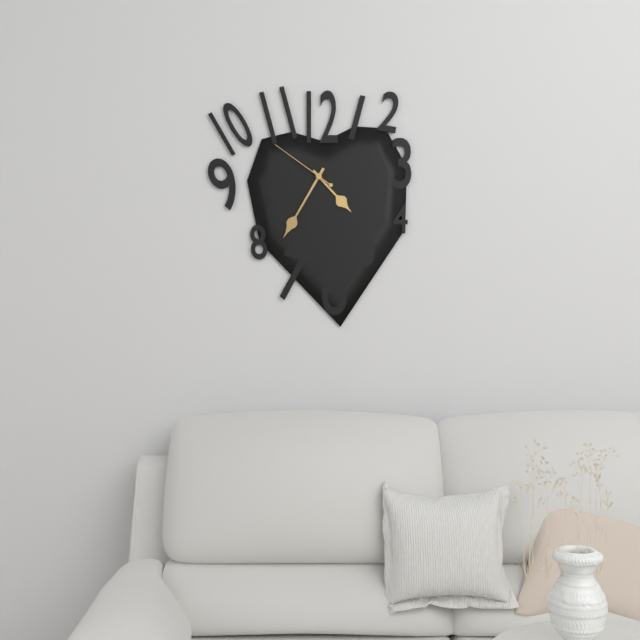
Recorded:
4.35.51
